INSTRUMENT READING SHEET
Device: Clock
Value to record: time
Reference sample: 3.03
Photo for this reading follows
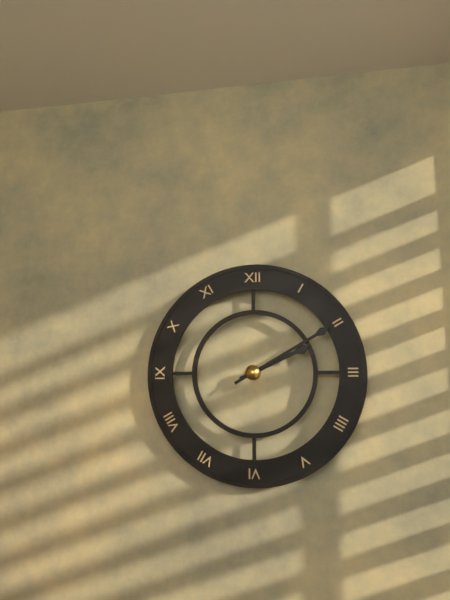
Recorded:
2.10
